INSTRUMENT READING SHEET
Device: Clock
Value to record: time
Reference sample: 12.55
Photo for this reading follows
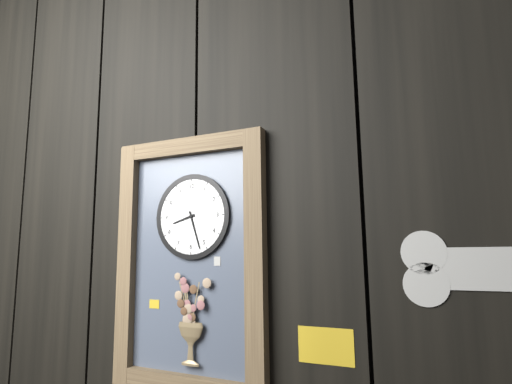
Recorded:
8.27
